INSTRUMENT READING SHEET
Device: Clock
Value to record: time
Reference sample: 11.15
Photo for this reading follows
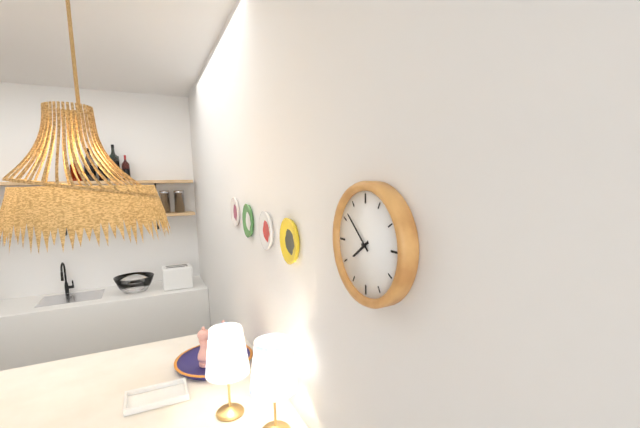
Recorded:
7.52
